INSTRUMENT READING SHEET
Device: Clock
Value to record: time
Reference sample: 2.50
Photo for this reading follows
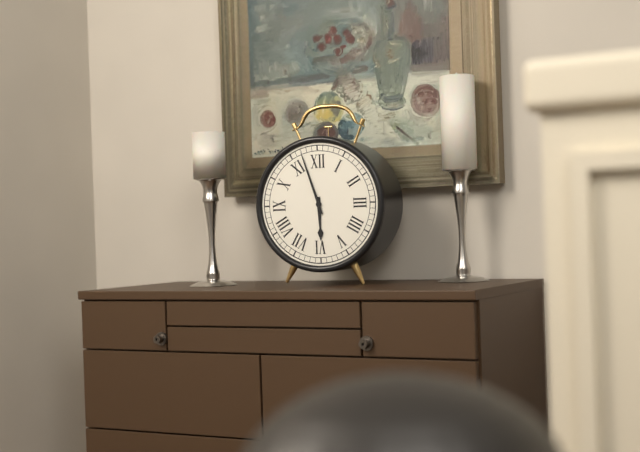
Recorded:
5.57
